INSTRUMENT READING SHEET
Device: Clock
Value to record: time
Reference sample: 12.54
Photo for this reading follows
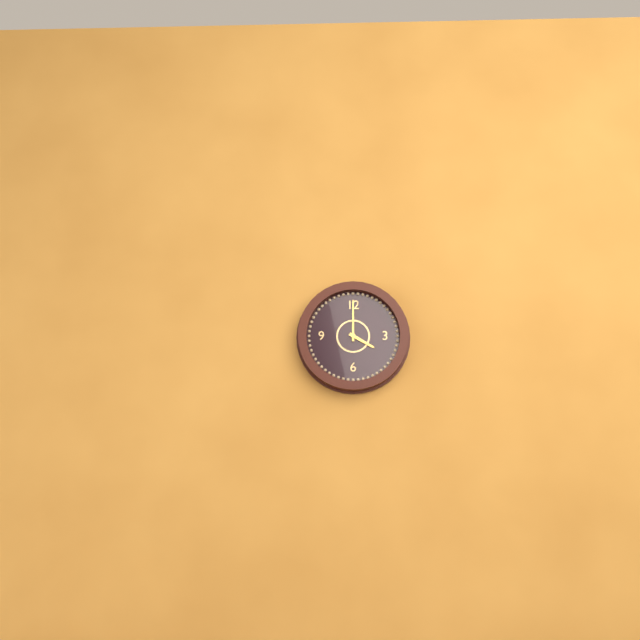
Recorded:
4.00
